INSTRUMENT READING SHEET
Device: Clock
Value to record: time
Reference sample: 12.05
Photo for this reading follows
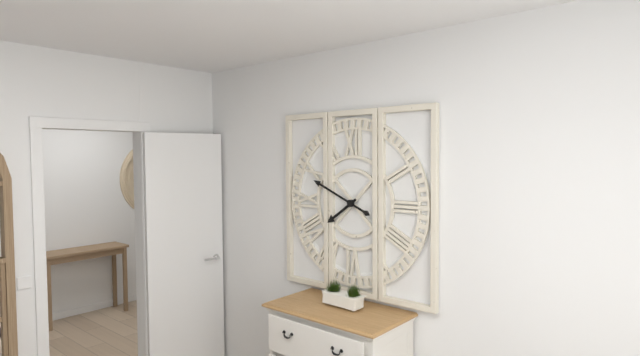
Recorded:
7.49
